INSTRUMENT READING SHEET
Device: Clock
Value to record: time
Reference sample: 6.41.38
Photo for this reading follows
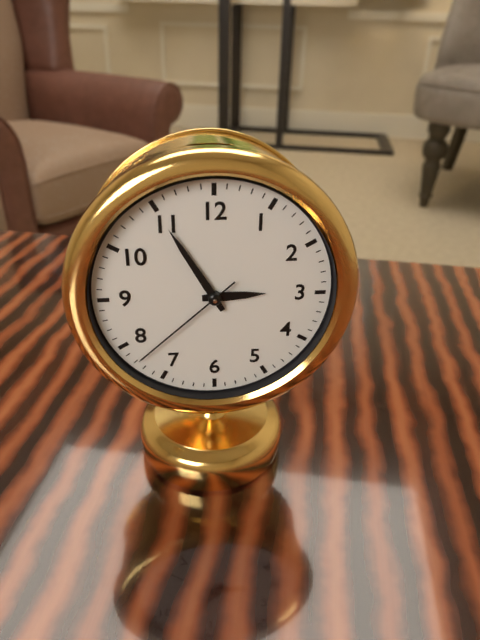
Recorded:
2.55.38
